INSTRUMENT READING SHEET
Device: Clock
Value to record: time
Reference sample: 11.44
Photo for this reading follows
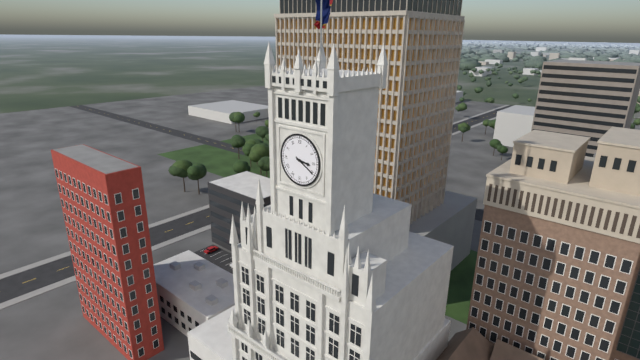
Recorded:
3.20
